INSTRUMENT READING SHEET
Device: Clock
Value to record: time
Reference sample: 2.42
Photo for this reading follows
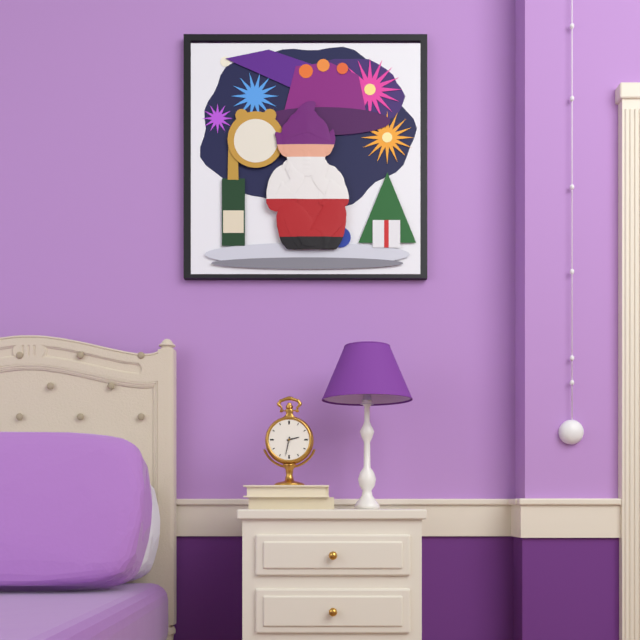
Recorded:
2.32
